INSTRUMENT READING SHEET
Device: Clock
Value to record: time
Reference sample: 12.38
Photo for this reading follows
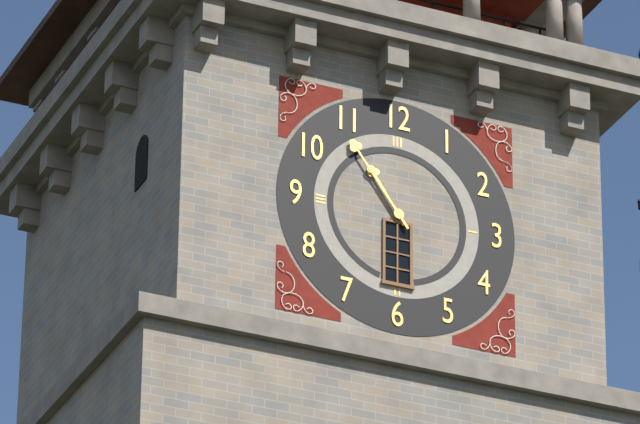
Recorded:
10.54
